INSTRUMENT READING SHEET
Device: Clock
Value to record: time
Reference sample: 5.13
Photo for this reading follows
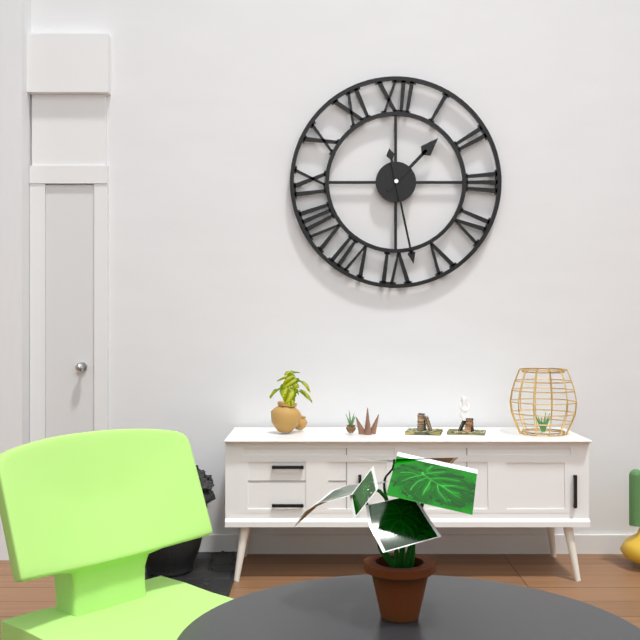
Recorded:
1.28
